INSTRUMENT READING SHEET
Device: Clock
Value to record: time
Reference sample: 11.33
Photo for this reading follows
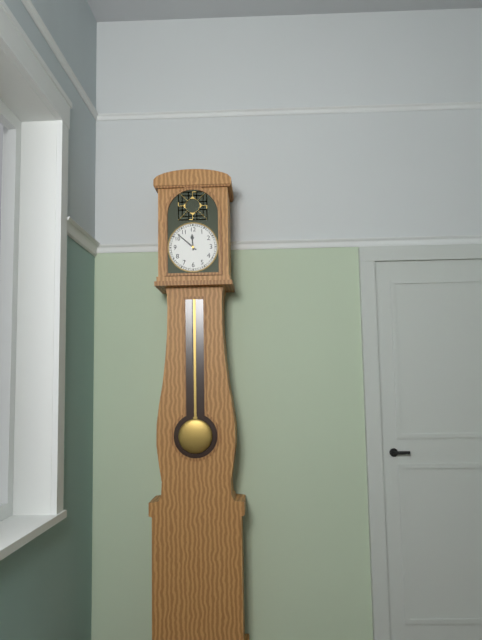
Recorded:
11.52
